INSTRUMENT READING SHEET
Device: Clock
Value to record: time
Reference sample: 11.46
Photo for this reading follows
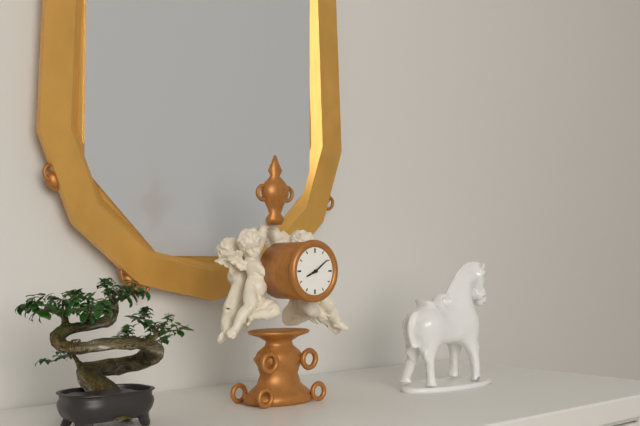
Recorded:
8.09
